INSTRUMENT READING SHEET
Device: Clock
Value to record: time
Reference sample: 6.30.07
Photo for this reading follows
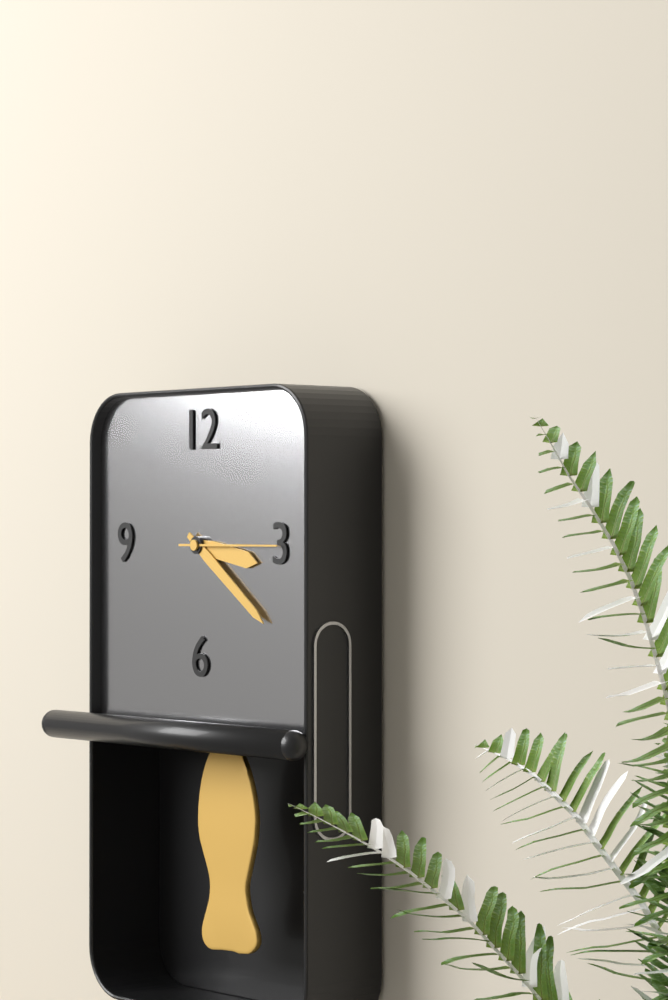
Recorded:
3.21.15
